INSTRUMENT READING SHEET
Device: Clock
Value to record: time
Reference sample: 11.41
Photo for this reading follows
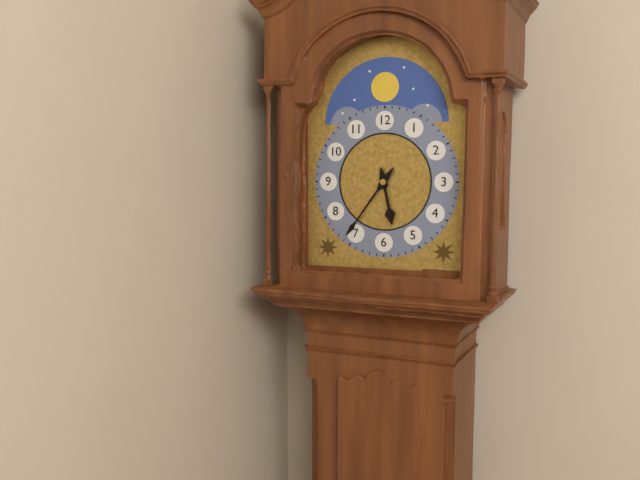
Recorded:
5.36
